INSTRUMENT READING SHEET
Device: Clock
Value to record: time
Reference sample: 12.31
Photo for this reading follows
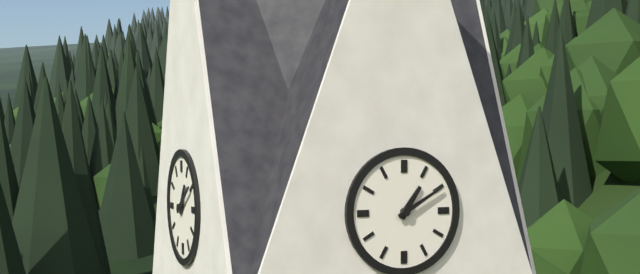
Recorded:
1.10
